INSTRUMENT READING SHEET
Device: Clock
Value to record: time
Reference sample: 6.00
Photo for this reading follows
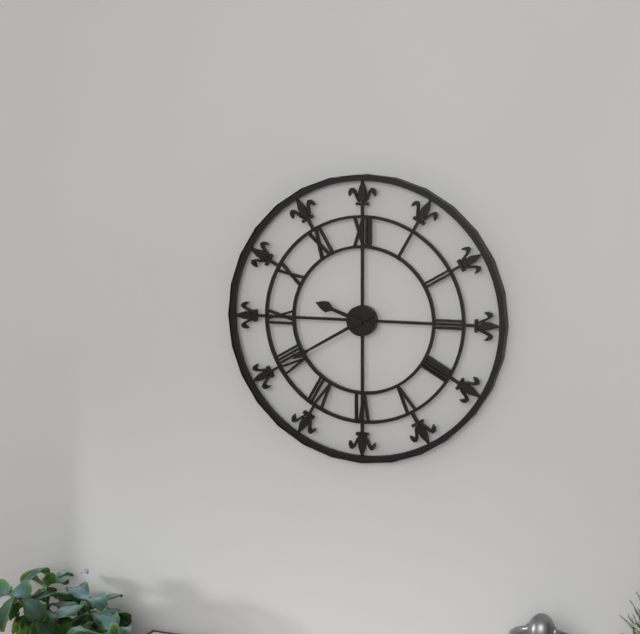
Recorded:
9.40
